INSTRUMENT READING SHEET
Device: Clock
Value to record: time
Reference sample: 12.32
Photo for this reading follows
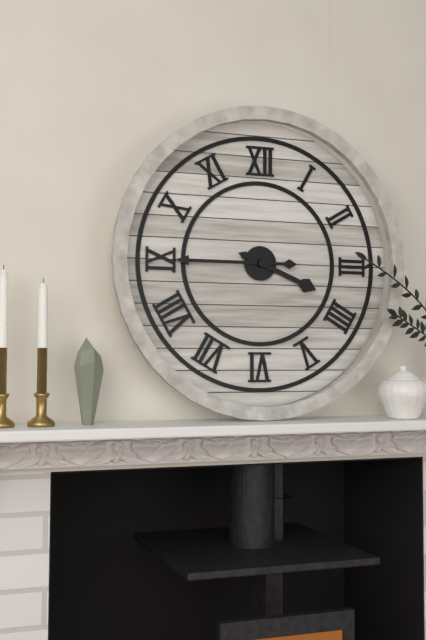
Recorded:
3.45
